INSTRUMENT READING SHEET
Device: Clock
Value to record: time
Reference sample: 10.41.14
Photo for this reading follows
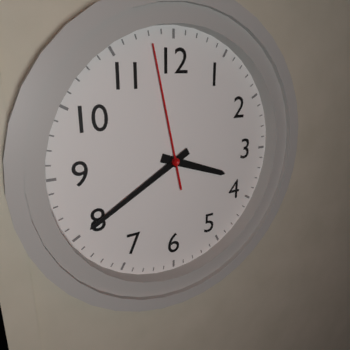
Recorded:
3.40.58
